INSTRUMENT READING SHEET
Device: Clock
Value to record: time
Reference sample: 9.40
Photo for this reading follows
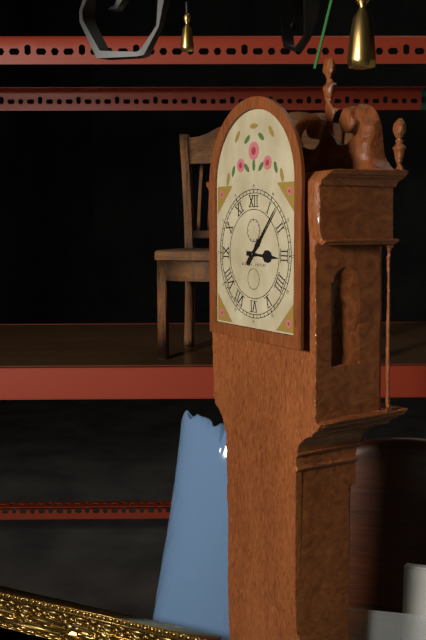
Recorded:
3.07
